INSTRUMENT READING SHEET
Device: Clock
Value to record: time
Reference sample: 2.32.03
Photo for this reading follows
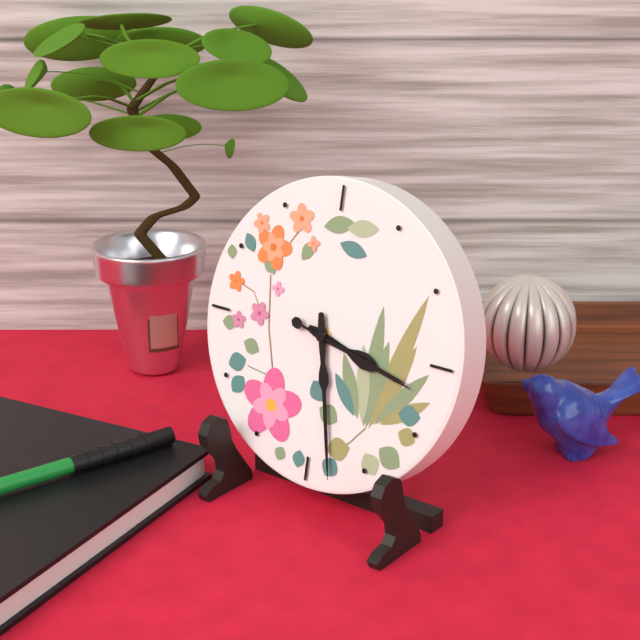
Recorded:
3.28.17
